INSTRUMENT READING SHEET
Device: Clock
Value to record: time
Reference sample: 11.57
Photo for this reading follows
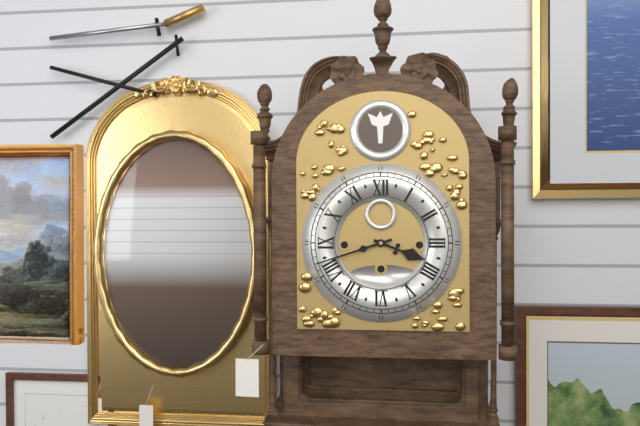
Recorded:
3.42
